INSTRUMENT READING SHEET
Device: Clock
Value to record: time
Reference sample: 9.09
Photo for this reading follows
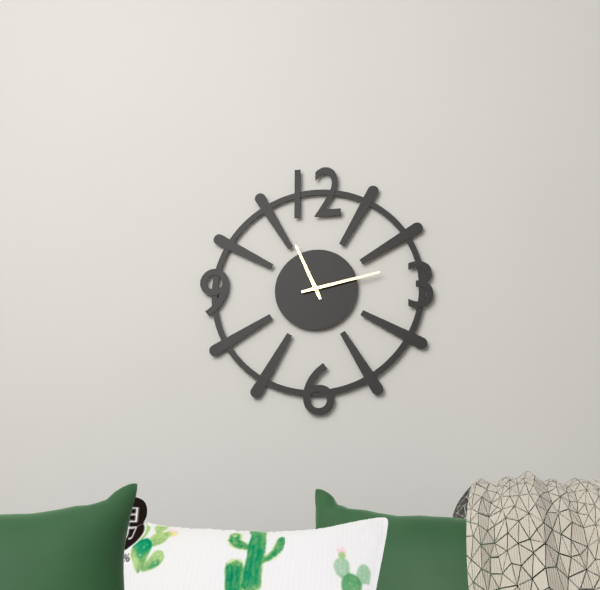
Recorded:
11.13
